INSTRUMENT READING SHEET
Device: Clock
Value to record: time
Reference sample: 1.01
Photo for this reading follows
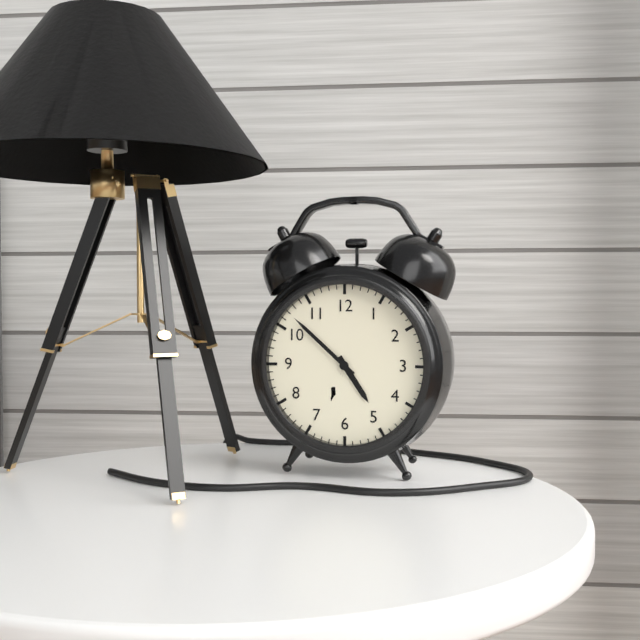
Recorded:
4.52
